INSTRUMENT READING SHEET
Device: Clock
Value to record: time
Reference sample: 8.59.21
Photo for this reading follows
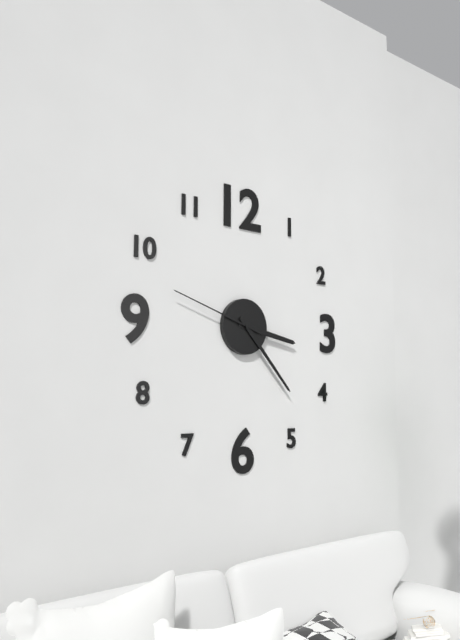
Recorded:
3.23.48
